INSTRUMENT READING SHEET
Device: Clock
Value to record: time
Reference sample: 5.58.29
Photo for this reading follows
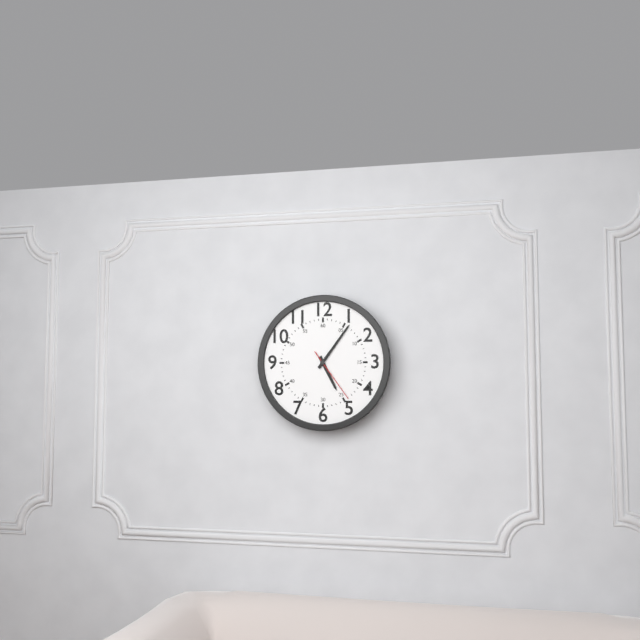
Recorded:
5.06.24
